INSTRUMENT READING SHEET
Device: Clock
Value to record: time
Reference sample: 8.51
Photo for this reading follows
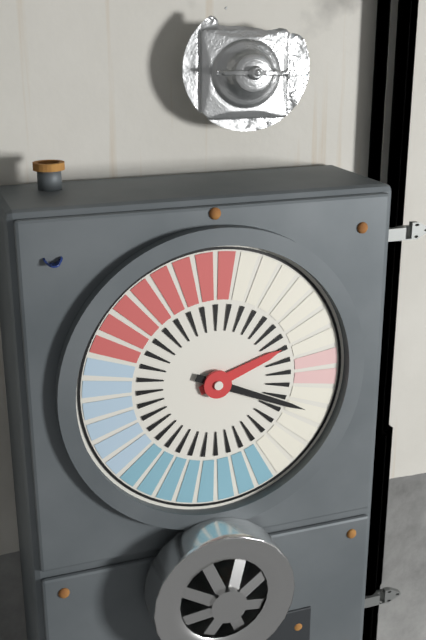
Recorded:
2.19
